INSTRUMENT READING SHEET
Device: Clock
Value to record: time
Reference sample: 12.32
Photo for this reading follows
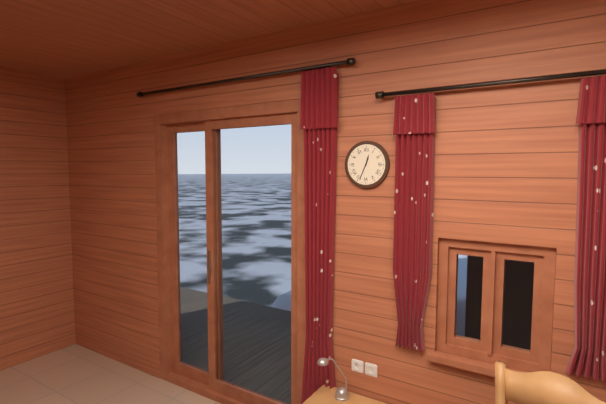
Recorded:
12.34
